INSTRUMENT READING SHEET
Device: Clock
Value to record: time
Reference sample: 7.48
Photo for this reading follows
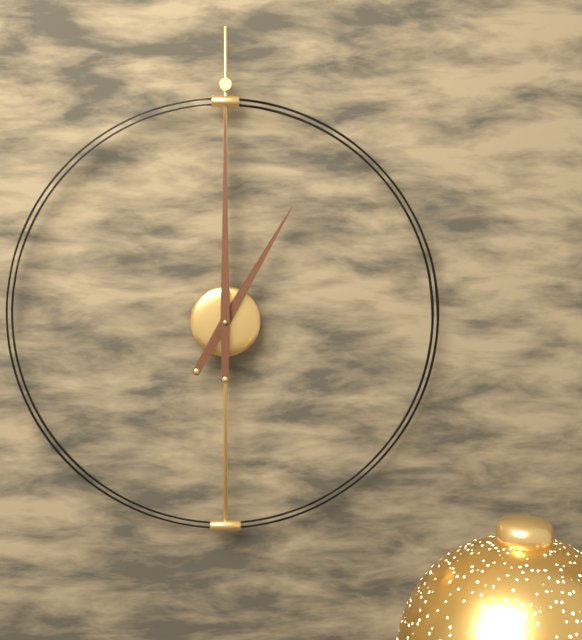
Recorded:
1.00
